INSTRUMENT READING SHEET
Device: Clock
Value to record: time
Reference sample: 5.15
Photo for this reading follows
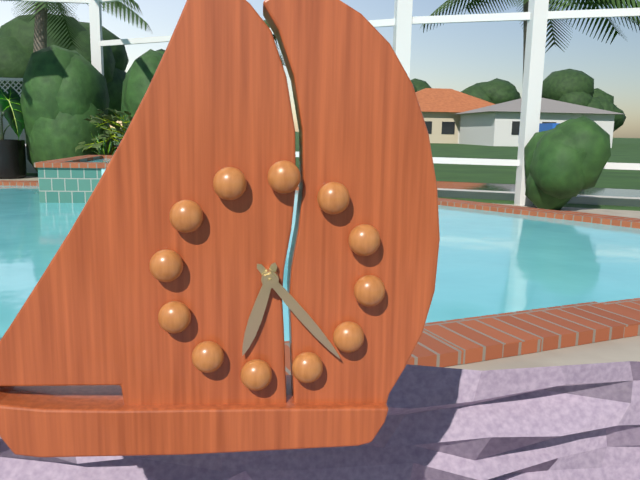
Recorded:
6.22
